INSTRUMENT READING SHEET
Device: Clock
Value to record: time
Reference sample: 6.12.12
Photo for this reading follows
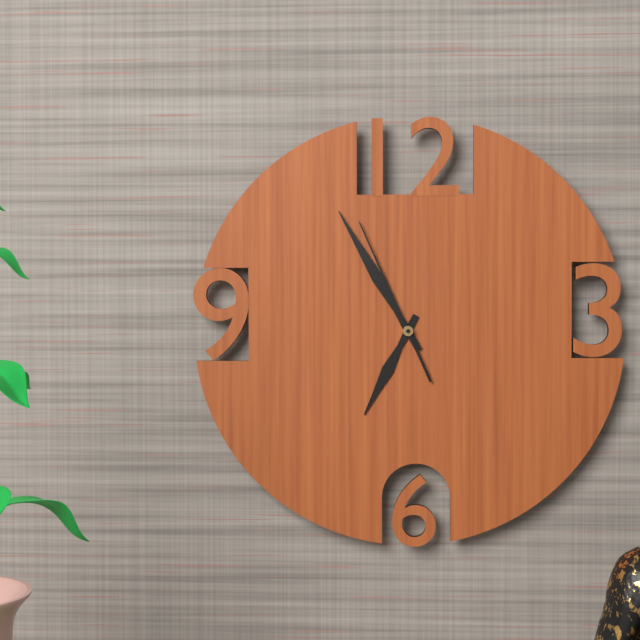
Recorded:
6.55.56
